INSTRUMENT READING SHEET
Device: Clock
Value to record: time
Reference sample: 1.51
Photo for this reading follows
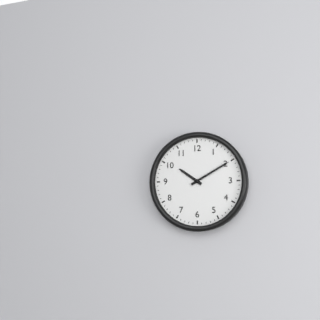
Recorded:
10.10
